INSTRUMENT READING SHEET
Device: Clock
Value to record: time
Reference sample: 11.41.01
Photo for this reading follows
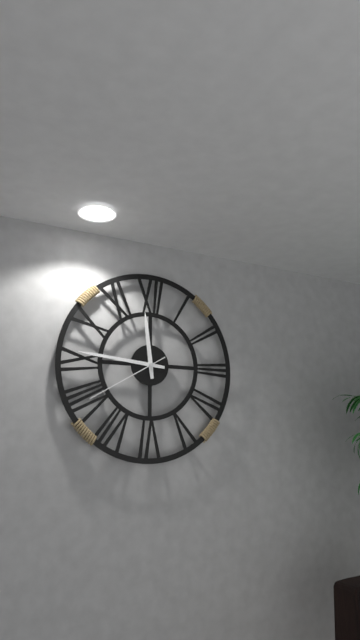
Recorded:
11.46.40
